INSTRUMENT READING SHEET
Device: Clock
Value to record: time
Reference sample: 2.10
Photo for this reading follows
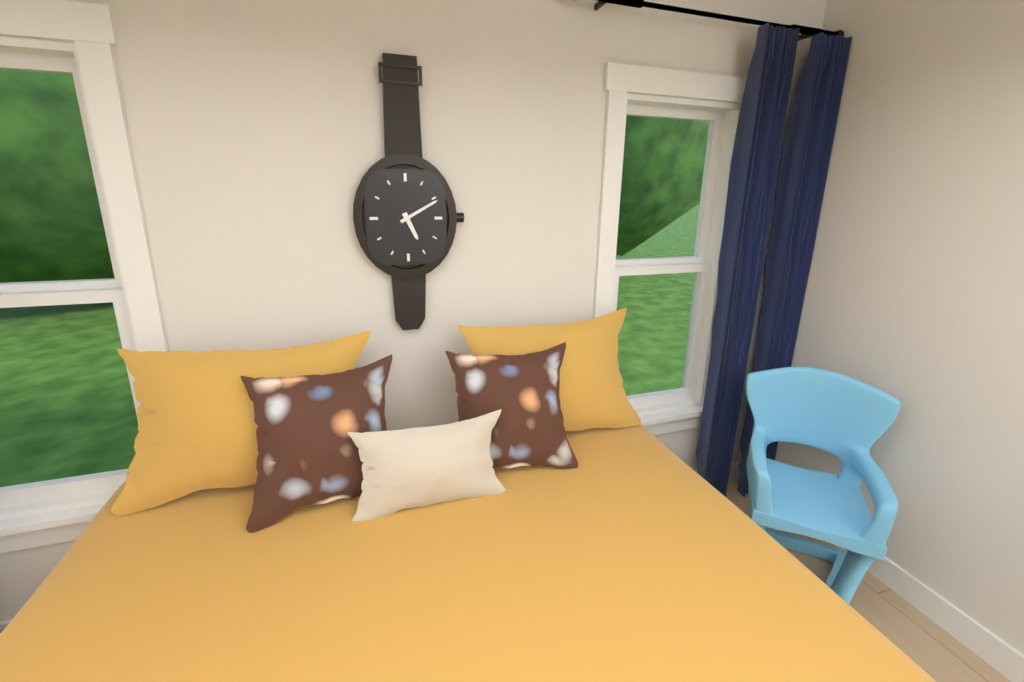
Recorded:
5.10
